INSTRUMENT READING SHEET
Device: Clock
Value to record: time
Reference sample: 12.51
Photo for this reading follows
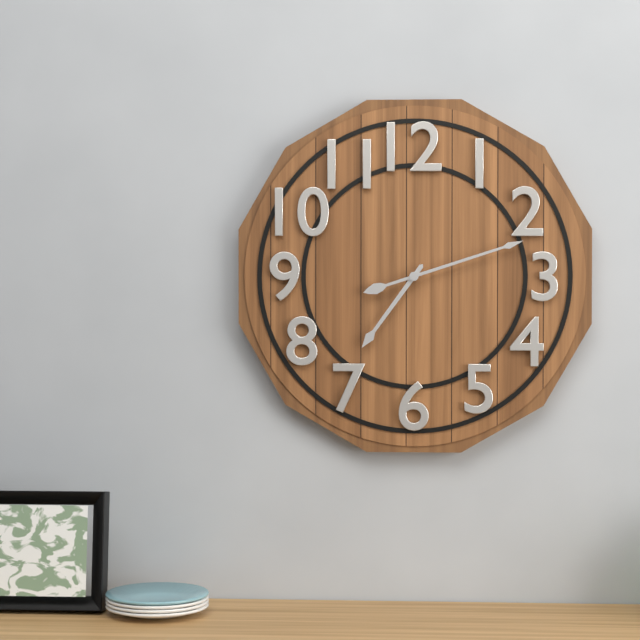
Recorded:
7.12
